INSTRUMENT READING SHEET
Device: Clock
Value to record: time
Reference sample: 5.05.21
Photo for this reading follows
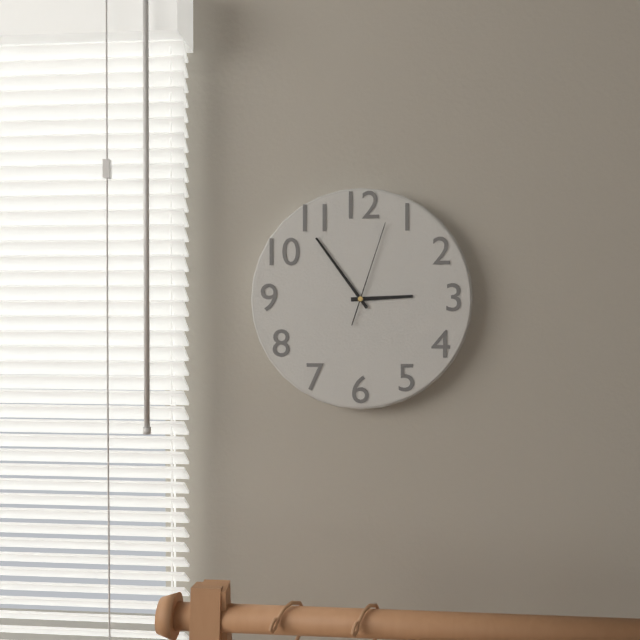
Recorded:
2.54.03
